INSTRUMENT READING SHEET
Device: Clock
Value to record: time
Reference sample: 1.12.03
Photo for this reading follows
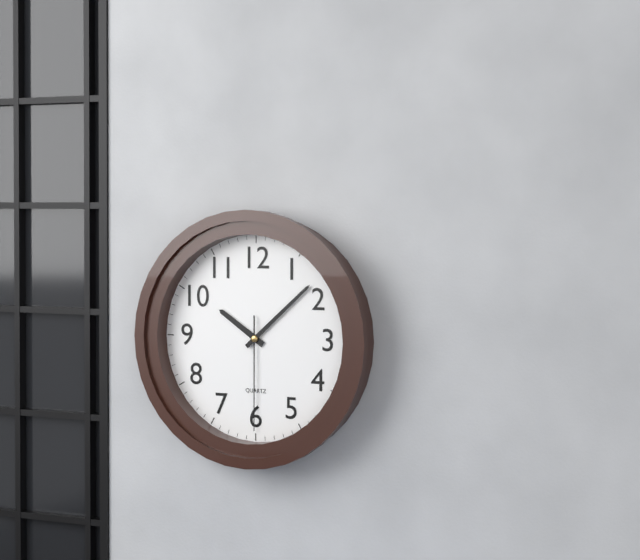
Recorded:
10.08.30
